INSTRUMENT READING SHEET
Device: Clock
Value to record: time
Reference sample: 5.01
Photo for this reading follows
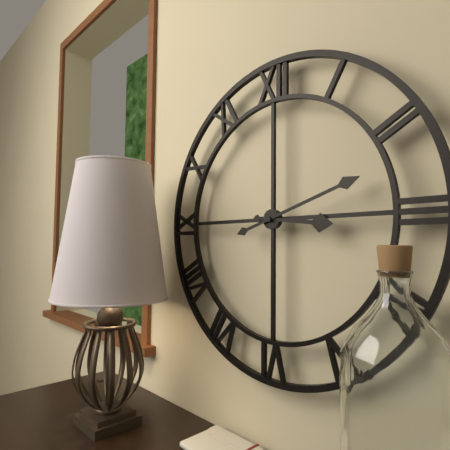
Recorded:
3.12
